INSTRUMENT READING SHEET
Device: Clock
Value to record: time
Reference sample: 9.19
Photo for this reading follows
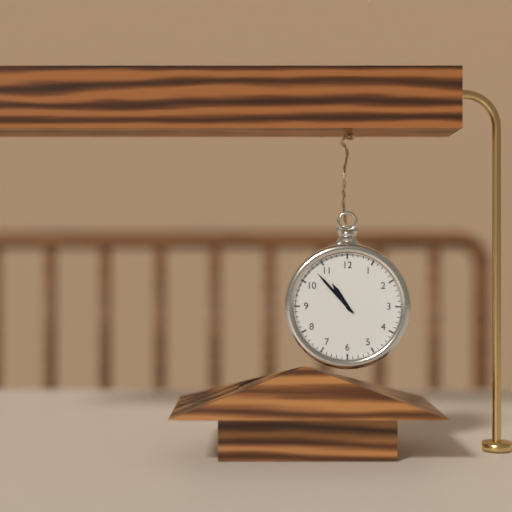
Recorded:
10.53
